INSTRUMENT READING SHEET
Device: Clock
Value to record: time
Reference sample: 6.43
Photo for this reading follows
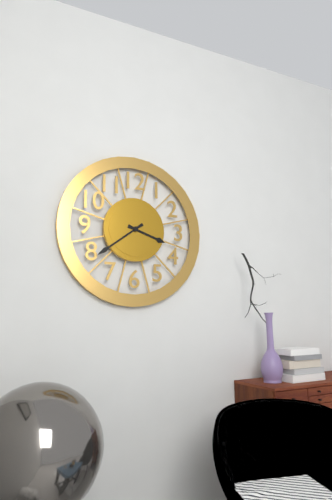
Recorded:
3.39
